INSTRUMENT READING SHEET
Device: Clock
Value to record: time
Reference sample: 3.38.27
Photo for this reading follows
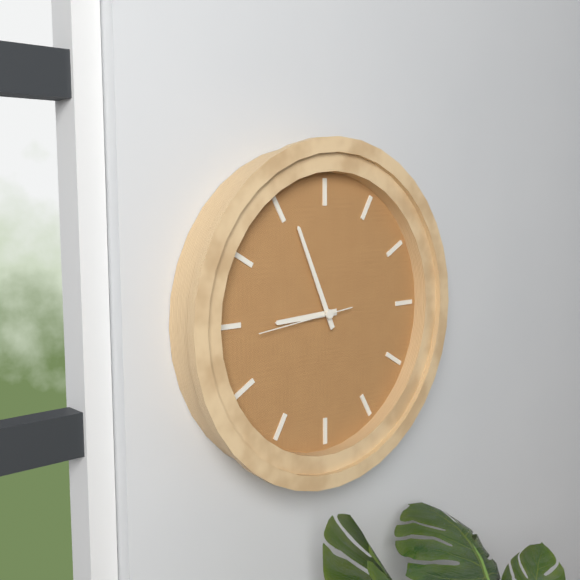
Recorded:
8.56.44
